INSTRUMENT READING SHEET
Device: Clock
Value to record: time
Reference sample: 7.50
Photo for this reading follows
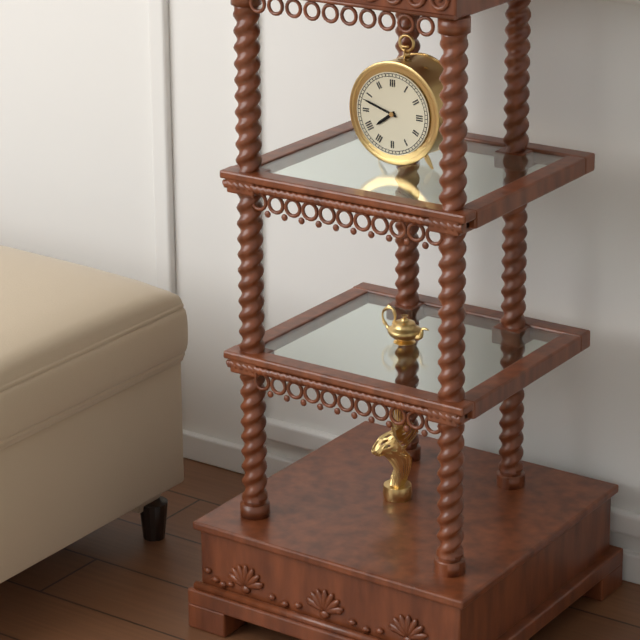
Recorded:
7.48
